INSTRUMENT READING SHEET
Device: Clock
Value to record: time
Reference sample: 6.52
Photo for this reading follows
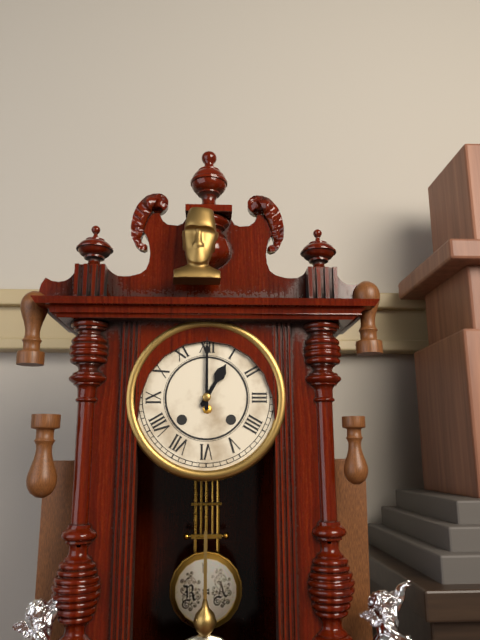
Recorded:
1.00
